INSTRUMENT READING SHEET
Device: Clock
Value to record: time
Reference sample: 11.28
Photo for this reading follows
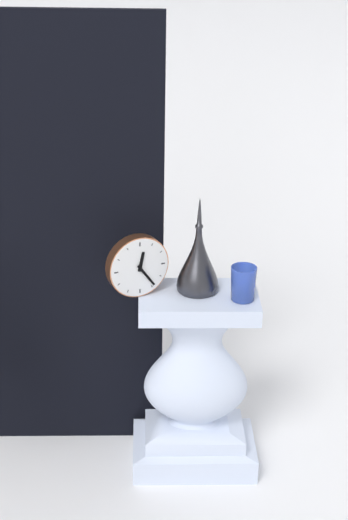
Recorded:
12.24
